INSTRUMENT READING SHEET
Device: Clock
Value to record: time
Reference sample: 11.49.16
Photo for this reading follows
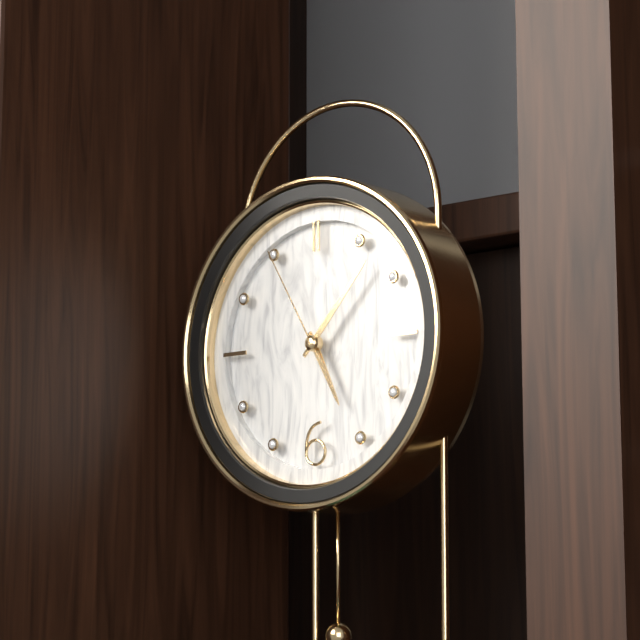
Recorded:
5.07.55
